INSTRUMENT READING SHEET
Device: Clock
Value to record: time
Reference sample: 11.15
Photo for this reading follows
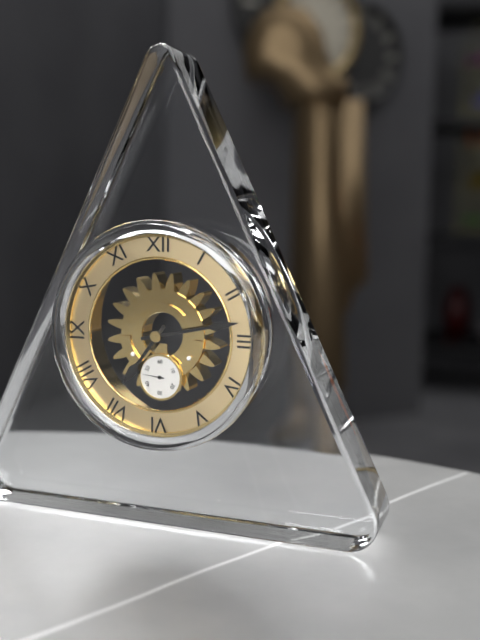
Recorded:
7.13
